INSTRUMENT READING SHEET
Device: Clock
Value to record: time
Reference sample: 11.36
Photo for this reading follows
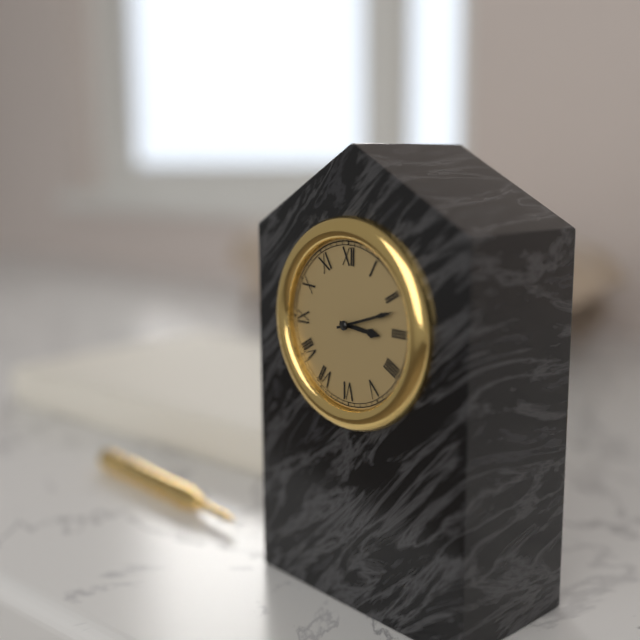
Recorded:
3.12
